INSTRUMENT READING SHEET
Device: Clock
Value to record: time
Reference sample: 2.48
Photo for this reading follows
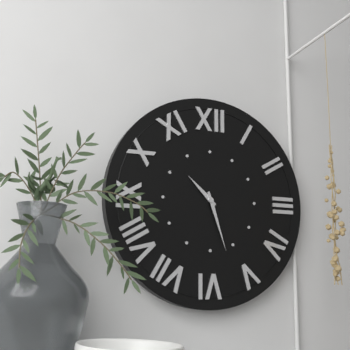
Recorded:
10.27
